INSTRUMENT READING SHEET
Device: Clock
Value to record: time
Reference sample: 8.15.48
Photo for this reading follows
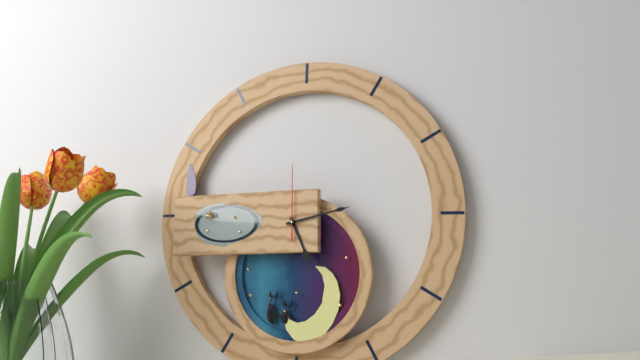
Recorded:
5.13.00
